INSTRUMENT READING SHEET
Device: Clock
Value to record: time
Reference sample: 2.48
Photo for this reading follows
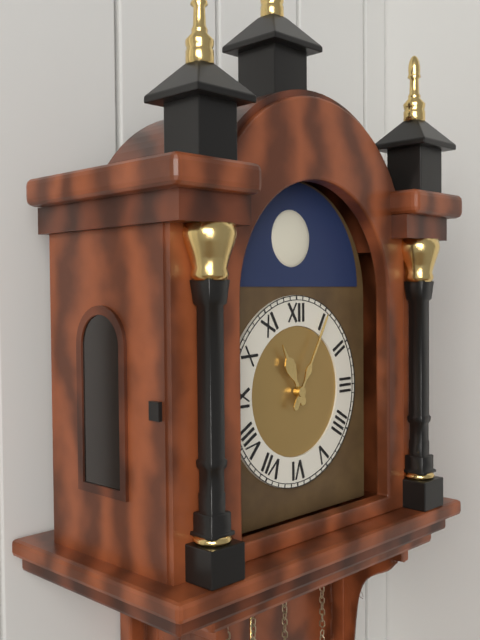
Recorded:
11.05
